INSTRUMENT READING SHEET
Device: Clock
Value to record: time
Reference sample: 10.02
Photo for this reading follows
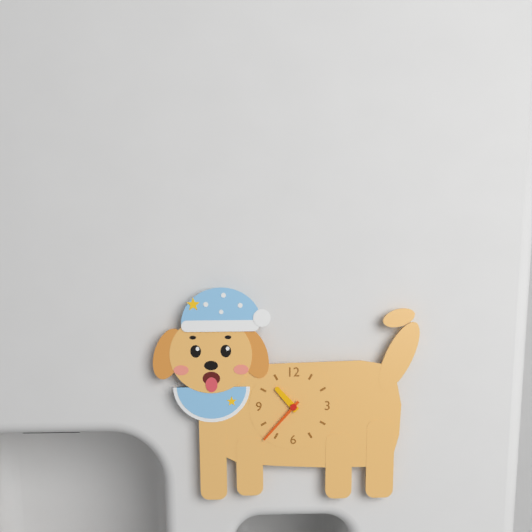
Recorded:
10.37
